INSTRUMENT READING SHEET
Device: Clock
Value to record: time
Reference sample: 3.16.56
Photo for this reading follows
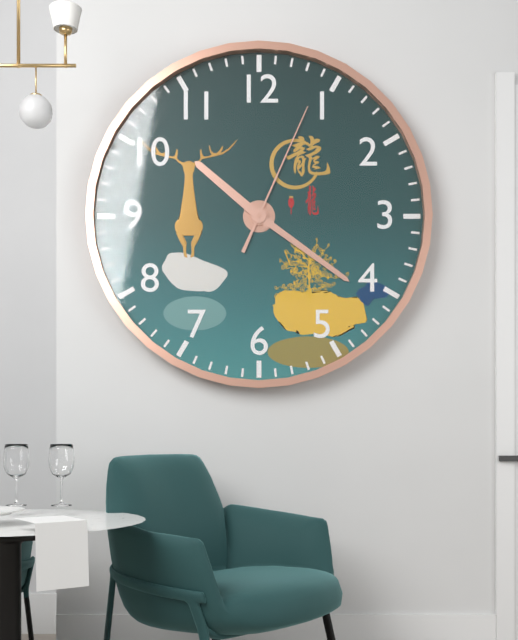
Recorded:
10.21.04
